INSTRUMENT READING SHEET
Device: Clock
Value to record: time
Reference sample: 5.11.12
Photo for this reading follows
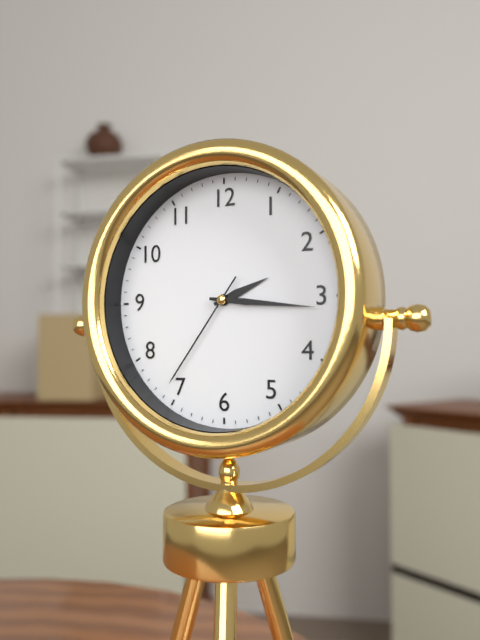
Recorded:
2.16.36
